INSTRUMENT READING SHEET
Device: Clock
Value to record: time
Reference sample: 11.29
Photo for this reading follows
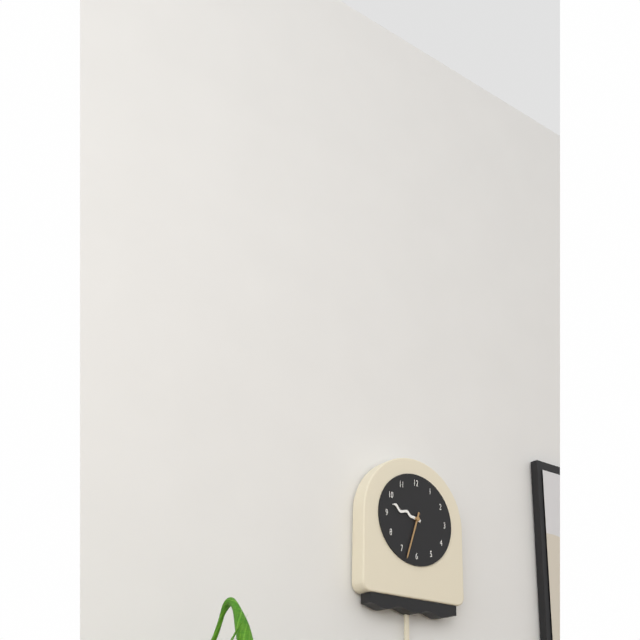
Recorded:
9.33
